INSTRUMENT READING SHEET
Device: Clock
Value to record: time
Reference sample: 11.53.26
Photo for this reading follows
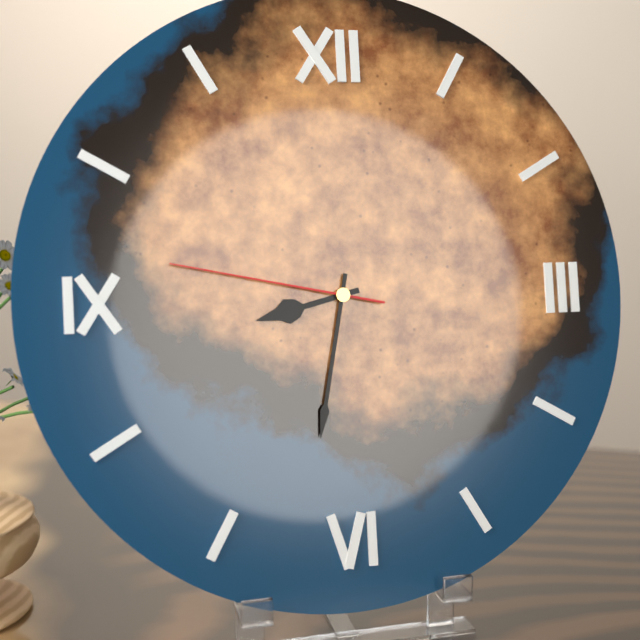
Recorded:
8.32.47
